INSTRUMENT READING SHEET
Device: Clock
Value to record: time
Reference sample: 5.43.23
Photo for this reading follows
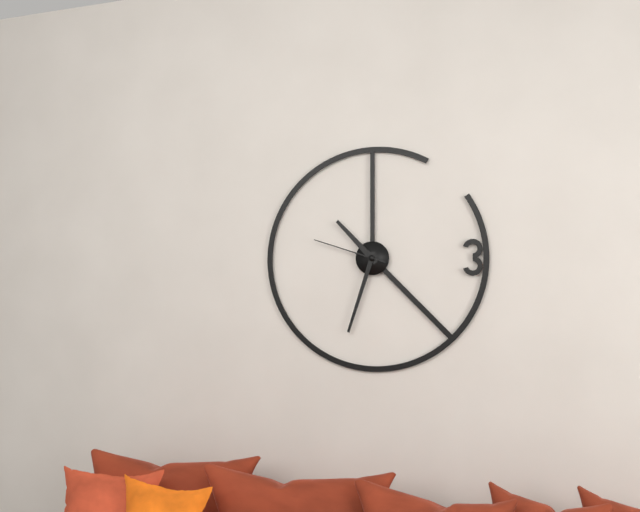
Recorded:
10.33.48
